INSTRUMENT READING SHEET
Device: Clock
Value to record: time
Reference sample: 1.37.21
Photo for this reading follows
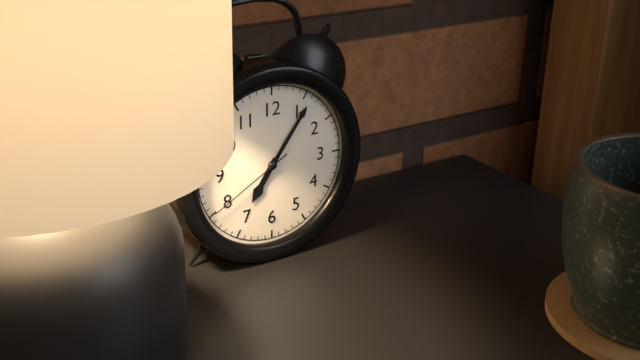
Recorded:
7.06.40
